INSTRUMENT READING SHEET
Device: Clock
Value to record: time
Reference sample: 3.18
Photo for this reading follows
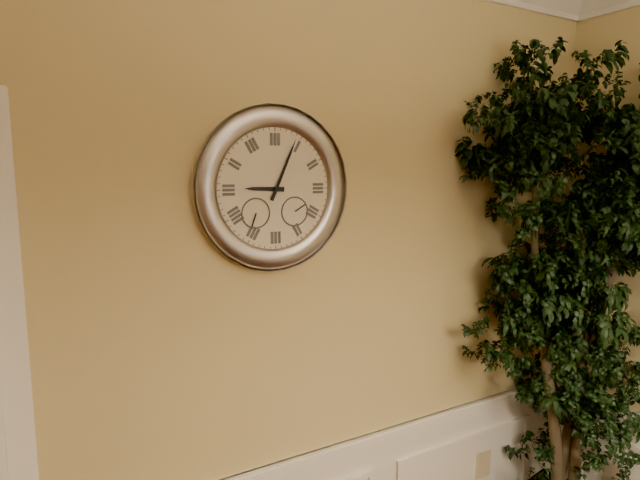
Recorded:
9.04
